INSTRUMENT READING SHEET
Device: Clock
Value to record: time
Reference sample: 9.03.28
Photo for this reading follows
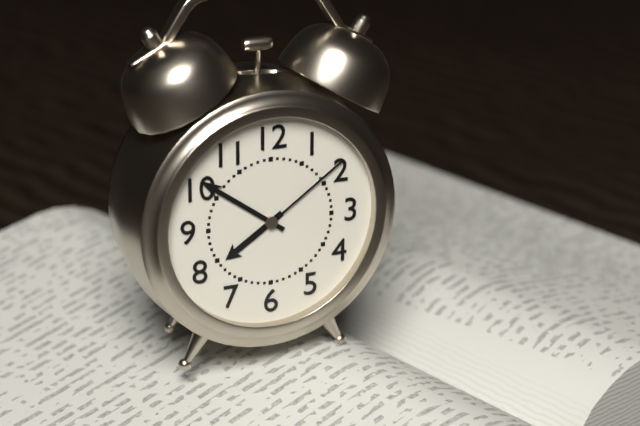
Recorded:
7.51.09
